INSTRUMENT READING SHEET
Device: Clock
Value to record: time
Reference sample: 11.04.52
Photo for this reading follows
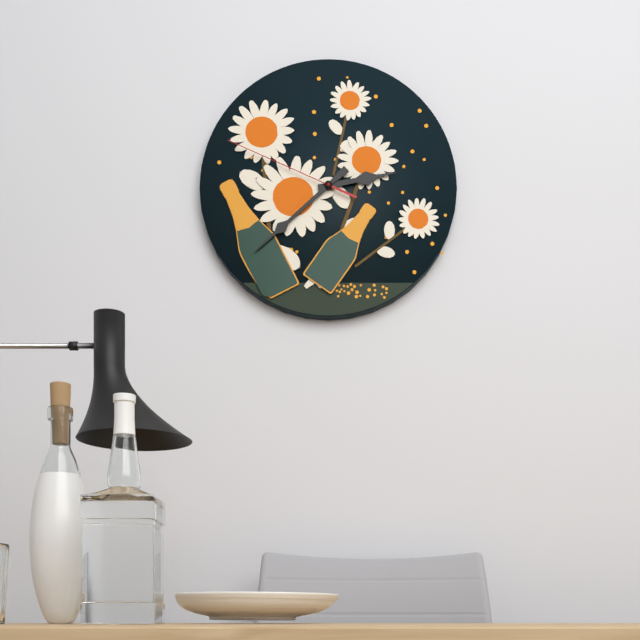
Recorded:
2.38.49
